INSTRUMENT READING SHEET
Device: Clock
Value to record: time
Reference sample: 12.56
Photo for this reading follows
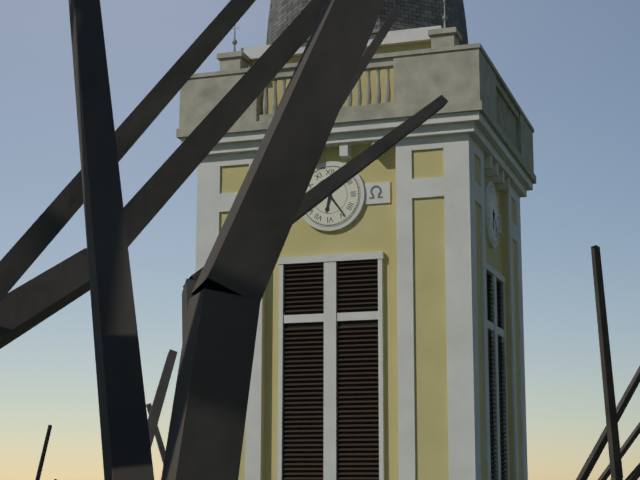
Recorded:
6.24
